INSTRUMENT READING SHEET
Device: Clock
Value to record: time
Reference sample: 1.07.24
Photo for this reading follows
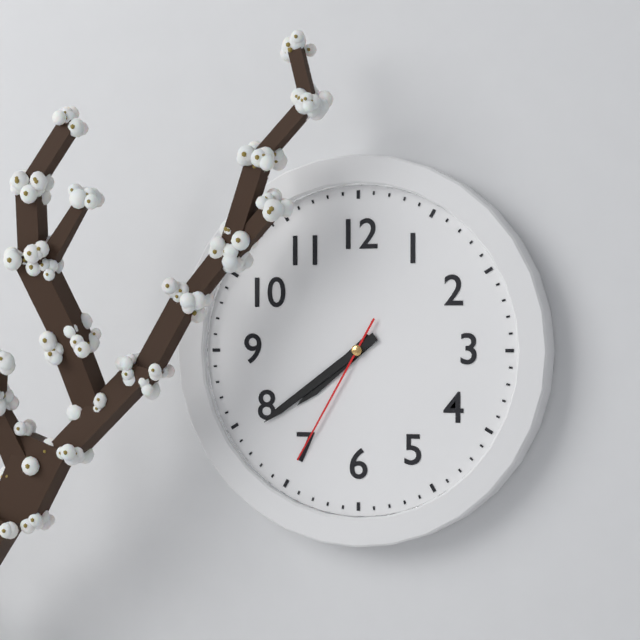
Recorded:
7.39.35
